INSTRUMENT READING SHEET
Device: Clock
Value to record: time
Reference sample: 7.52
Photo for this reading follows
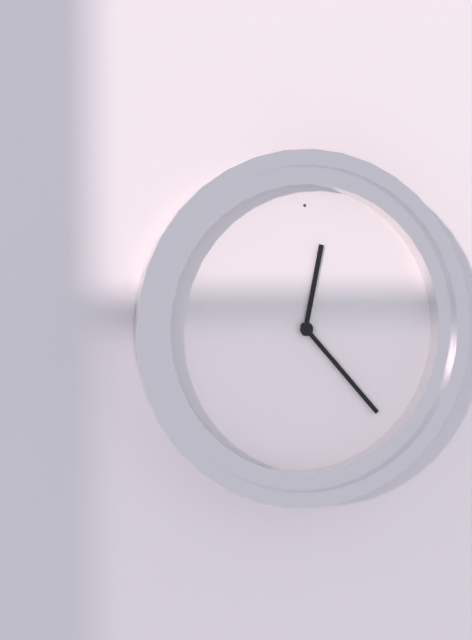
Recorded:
12.23
